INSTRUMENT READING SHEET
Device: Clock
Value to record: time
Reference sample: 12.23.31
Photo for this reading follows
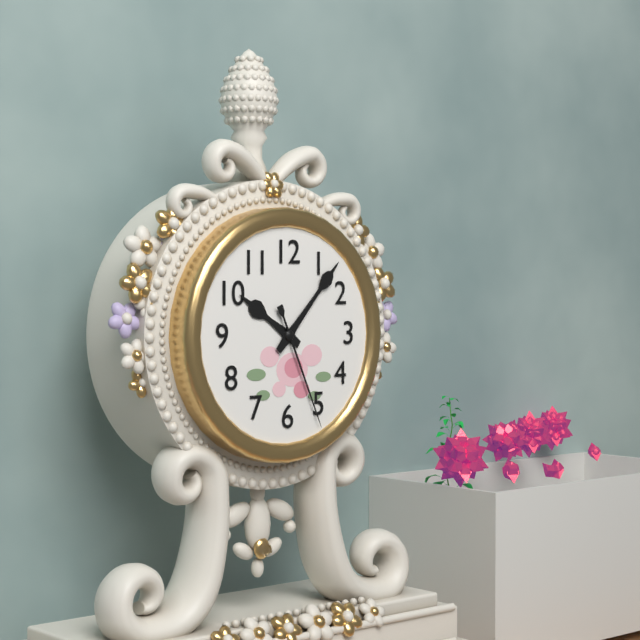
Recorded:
10.07.26
